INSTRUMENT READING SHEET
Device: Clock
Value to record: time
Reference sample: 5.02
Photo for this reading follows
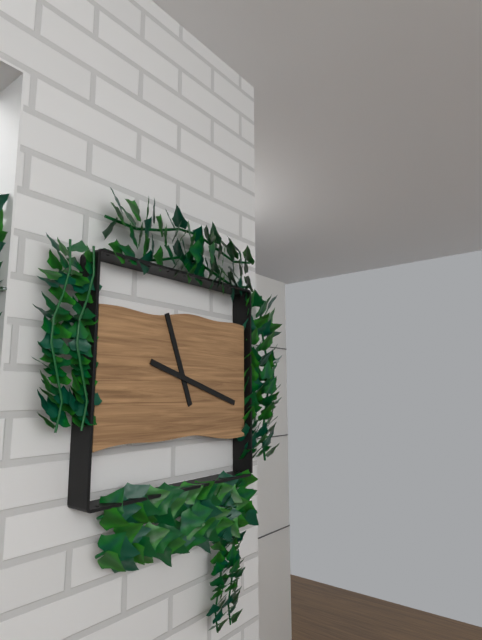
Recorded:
11.18
